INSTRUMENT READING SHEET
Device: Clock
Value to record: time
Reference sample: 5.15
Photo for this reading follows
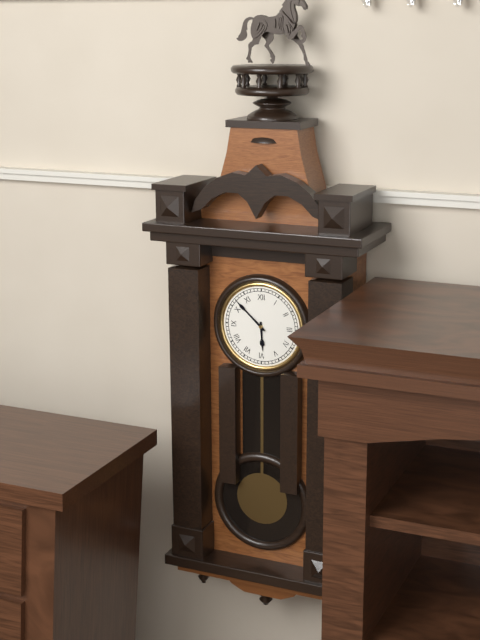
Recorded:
5.52
